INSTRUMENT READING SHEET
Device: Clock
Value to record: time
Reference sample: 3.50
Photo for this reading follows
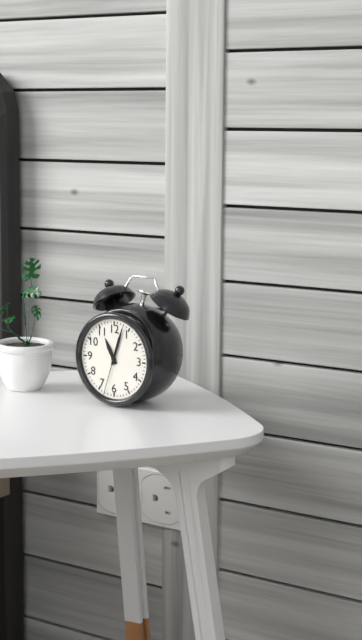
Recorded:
11.03
